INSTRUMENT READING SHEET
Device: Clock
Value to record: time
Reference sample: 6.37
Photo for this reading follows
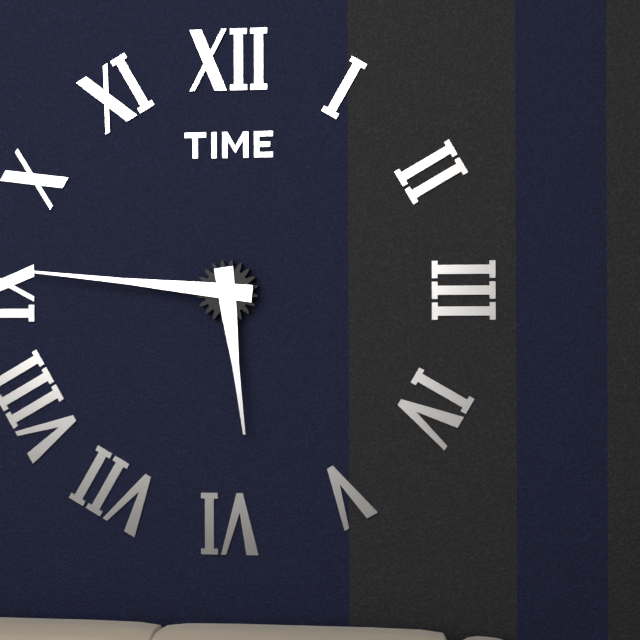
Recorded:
5.46
